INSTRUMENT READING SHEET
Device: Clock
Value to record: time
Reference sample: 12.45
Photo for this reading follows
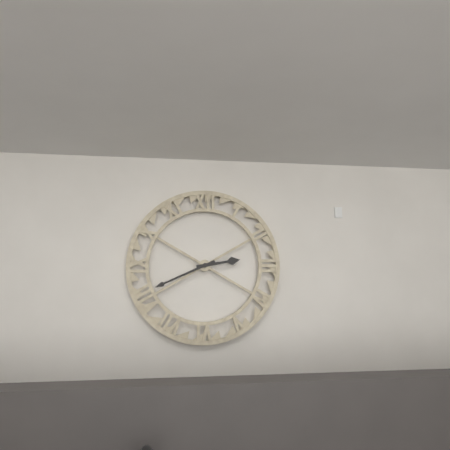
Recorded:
2.41
